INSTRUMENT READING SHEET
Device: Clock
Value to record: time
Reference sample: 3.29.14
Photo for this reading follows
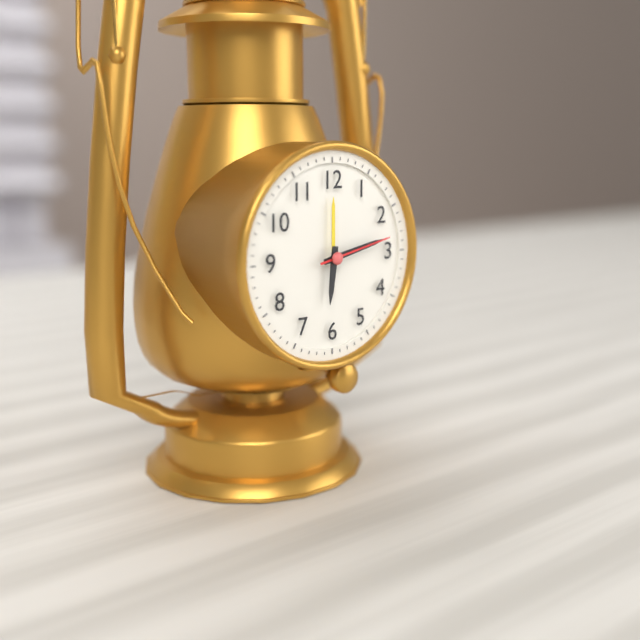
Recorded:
6.13.13
